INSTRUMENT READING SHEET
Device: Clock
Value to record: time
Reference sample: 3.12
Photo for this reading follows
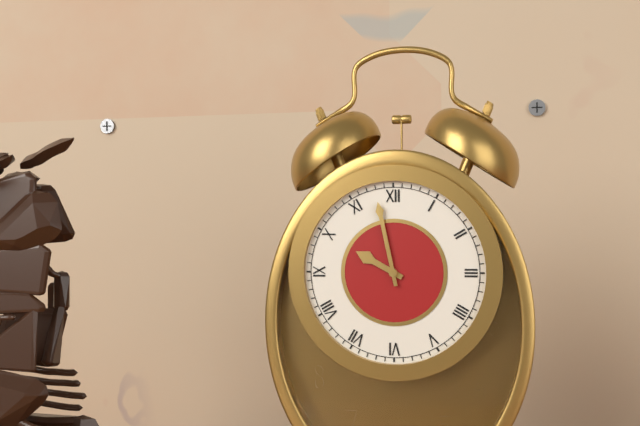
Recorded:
9.58
